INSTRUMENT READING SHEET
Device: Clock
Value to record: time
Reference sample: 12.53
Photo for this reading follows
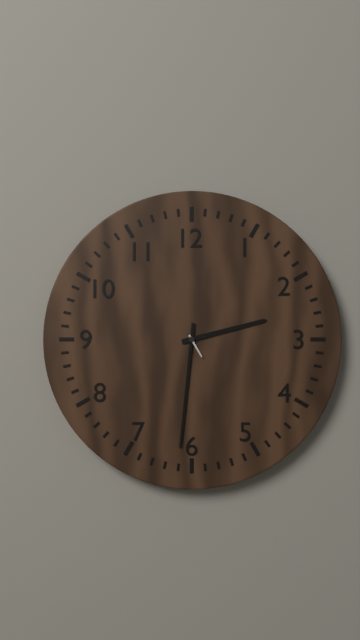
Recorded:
2.31
